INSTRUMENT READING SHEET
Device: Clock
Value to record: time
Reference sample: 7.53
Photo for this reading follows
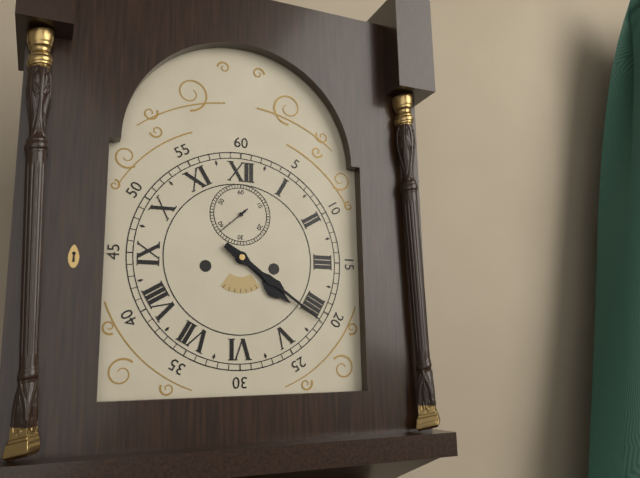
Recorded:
4.21
